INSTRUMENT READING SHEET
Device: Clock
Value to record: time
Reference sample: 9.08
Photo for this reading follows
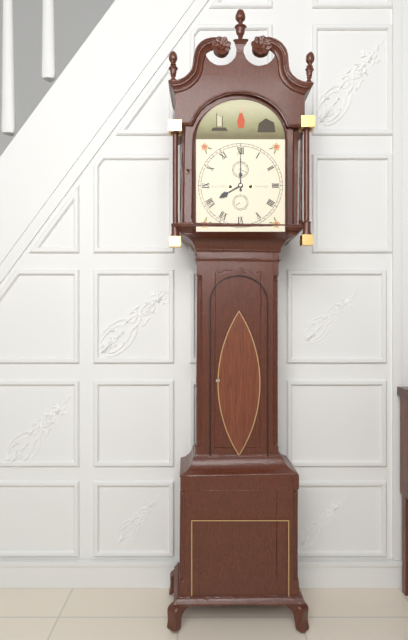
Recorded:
8.00
